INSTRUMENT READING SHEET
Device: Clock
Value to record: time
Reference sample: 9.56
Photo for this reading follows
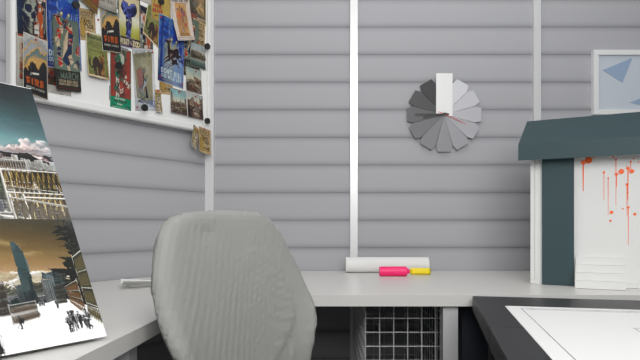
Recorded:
8.45
